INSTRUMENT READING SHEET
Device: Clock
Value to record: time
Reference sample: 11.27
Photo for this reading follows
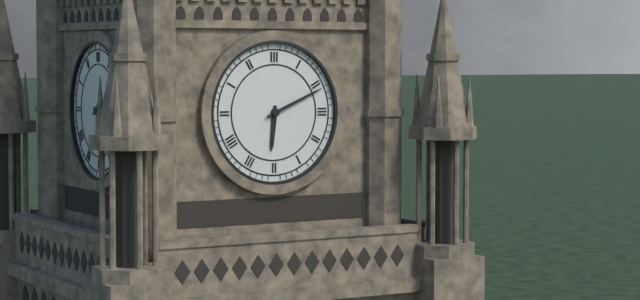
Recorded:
6.11
